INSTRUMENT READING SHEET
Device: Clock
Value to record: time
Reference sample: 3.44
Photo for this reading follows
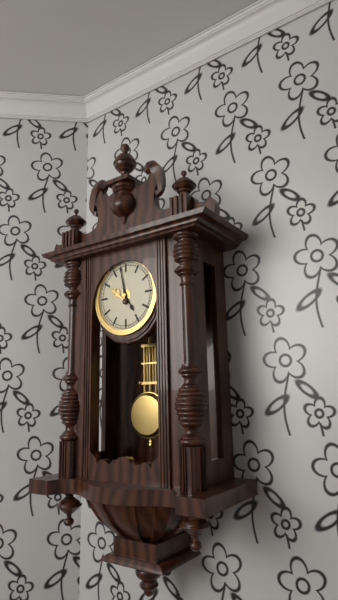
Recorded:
4.58
